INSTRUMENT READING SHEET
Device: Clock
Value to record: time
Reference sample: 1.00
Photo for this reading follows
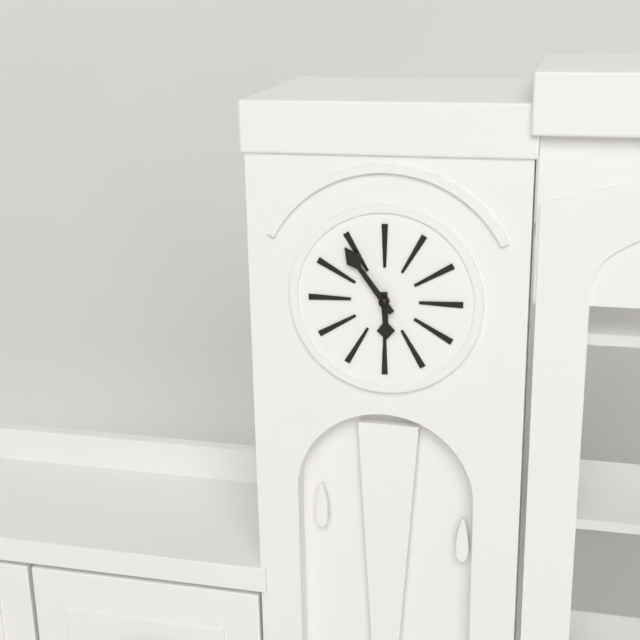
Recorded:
5.54
